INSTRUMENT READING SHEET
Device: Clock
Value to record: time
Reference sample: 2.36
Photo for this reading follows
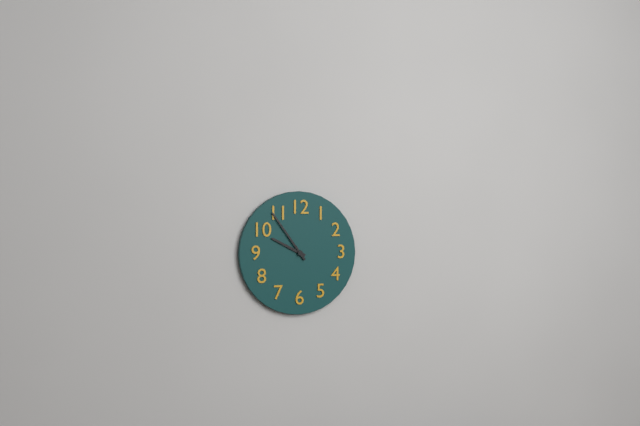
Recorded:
9.54
